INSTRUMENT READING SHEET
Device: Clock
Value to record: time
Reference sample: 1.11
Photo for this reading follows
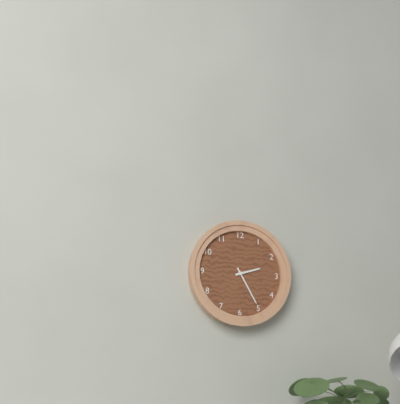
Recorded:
2.25
